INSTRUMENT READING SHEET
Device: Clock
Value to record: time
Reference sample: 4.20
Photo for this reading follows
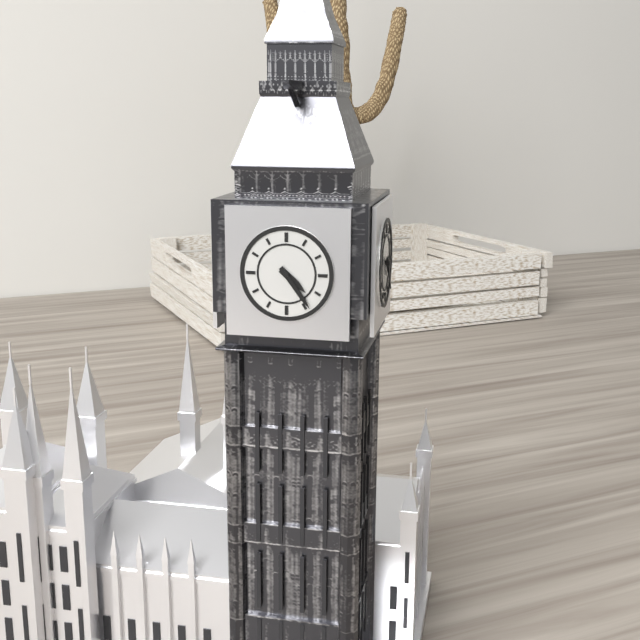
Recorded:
4.24
